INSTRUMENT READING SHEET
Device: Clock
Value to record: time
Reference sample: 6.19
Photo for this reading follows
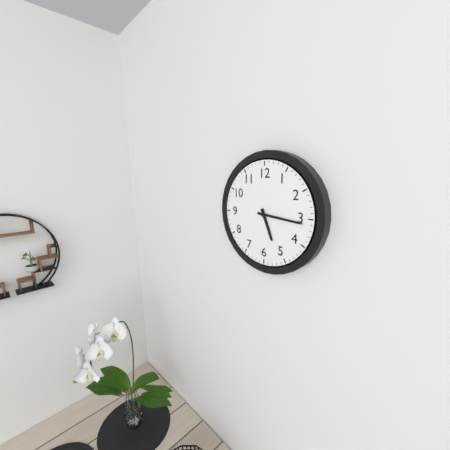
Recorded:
5.16
